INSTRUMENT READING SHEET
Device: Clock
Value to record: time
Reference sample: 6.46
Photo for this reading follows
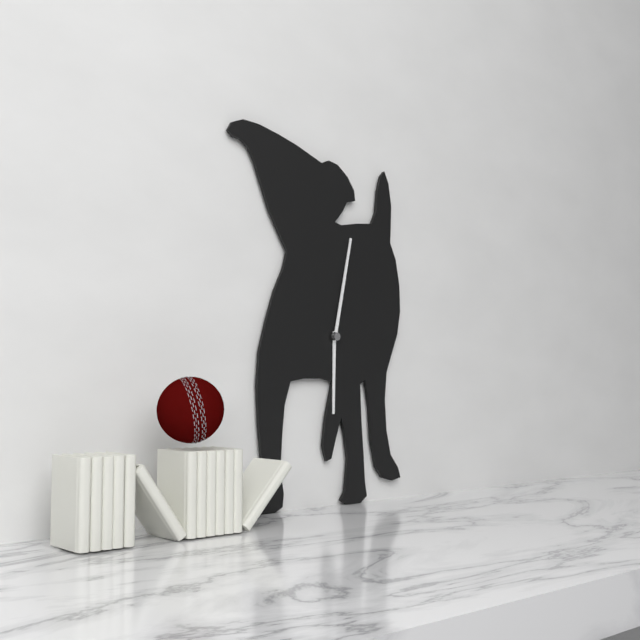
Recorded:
6.02
